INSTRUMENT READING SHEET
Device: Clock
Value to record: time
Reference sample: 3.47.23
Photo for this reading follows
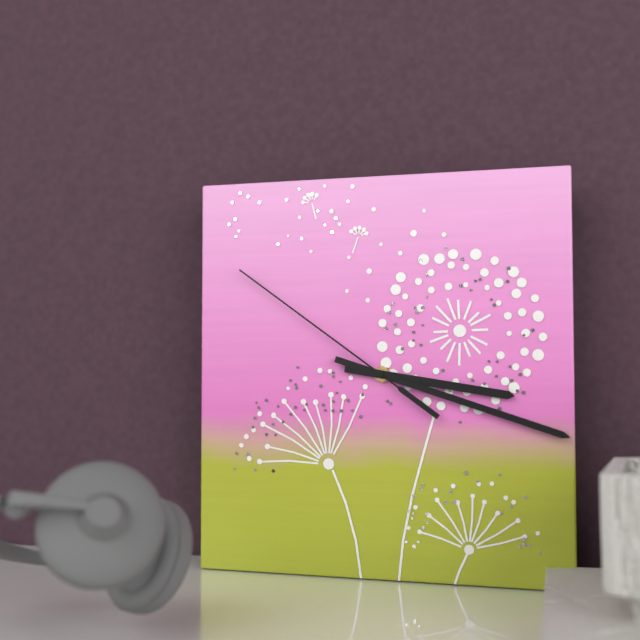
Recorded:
3.18.51
